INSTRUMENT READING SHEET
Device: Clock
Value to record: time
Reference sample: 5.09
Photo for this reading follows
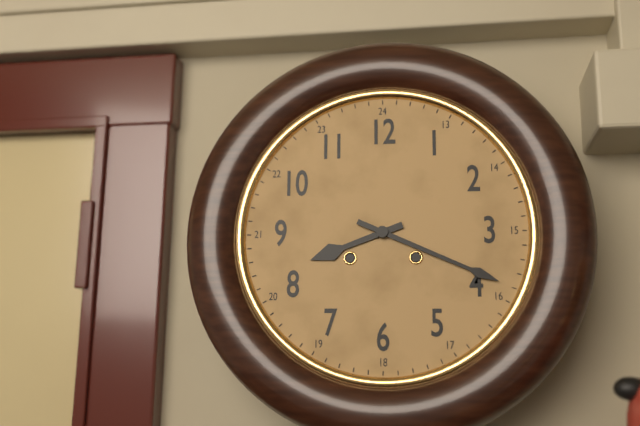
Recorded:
8.19
